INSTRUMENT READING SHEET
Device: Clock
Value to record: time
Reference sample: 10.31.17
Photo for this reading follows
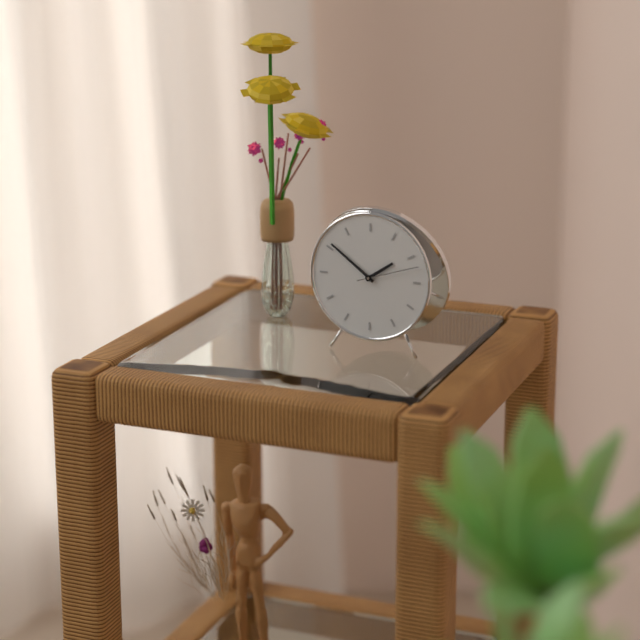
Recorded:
1.51.12
